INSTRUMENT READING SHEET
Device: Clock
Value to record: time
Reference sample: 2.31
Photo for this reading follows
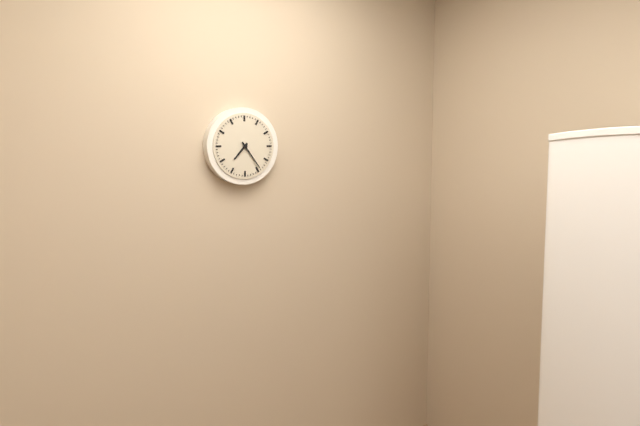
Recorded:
7.24
